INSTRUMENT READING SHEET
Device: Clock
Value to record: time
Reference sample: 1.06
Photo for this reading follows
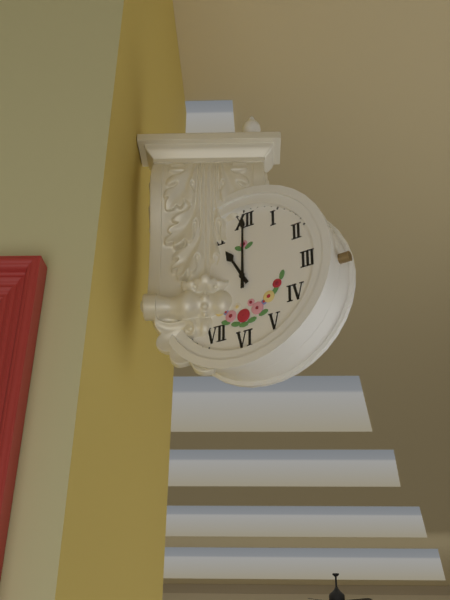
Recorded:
11.00
